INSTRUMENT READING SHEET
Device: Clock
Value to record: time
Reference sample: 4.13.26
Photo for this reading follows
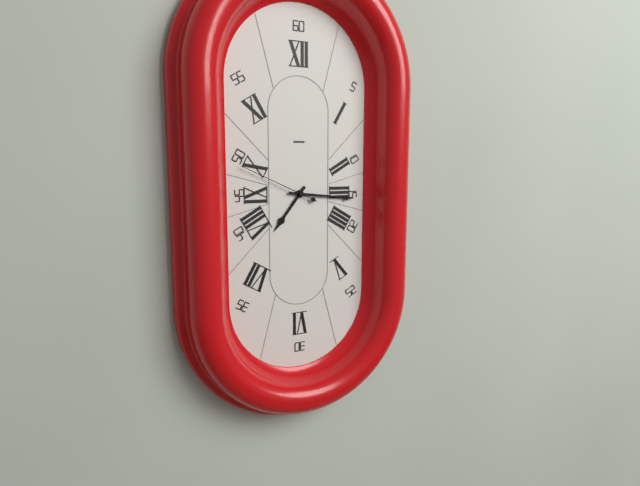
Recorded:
7.16.49
